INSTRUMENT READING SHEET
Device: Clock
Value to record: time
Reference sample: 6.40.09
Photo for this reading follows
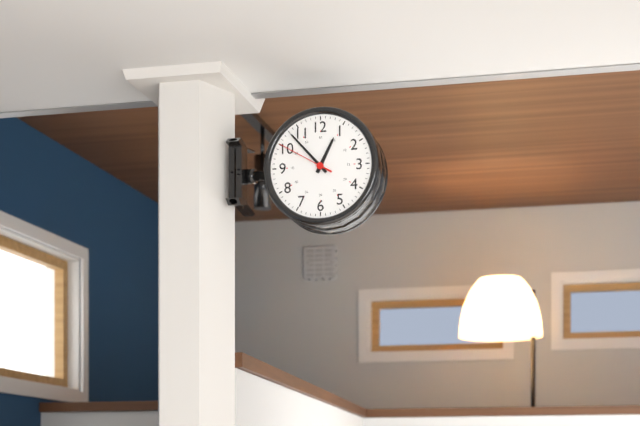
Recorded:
12.53.50
